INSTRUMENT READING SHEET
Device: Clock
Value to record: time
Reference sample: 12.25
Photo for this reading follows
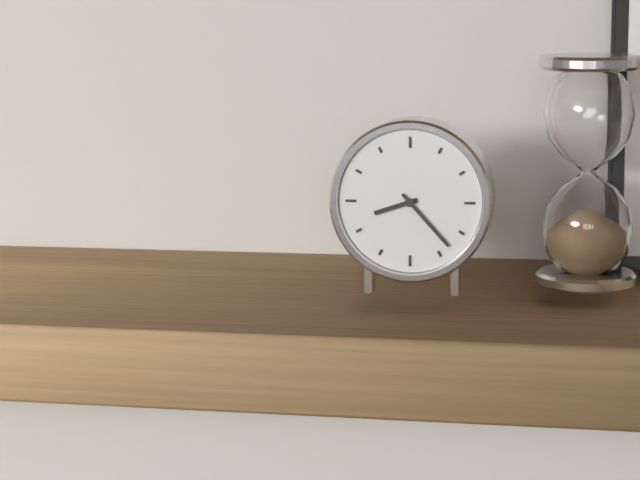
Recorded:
8.23
